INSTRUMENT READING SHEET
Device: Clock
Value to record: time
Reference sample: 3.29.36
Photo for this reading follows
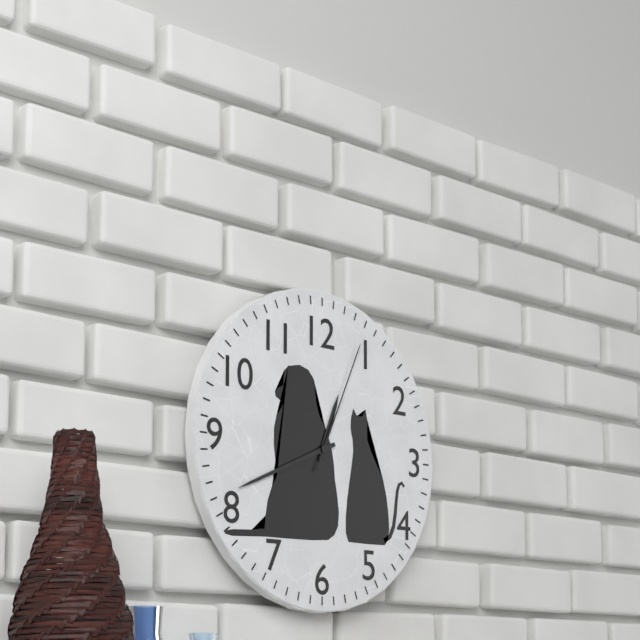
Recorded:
12.41.04
